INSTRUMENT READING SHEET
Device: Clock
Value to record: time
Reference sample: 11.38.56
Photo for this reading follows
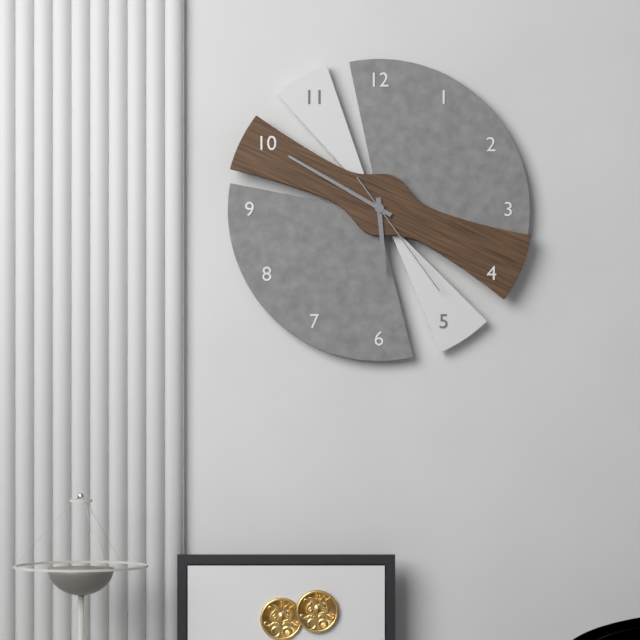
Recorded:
5.50.24
